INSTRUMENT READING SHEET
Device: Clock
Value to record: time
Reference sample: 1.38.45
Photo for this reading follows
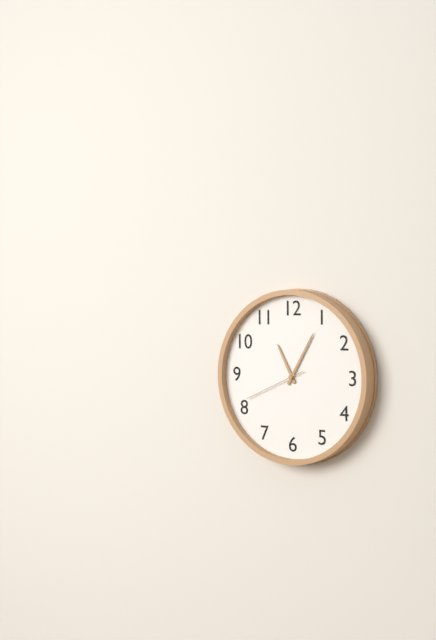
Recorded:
11.05.41
